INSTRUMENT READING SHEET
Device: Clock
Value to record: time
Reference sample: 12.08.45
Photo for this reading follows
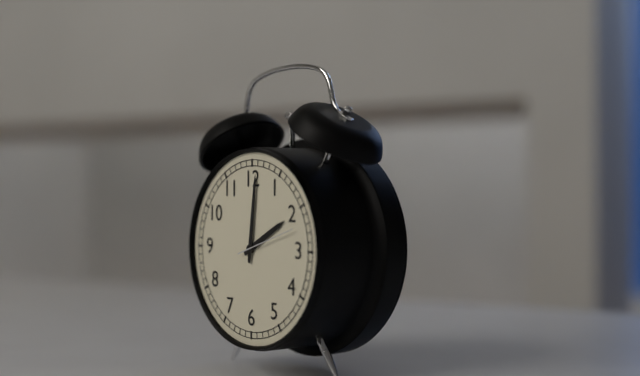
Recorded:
2.01.12
